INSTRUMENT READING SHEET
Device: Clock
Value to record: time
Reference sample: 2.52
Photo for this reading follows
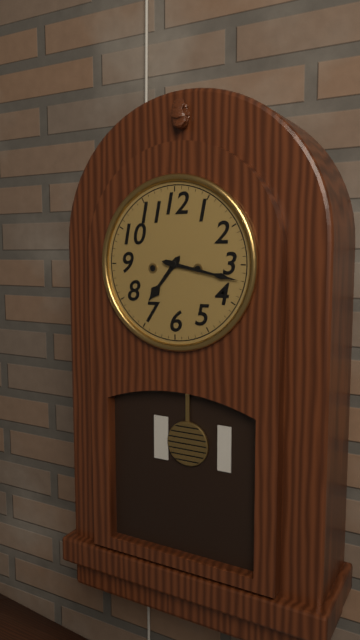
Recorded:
7.17
